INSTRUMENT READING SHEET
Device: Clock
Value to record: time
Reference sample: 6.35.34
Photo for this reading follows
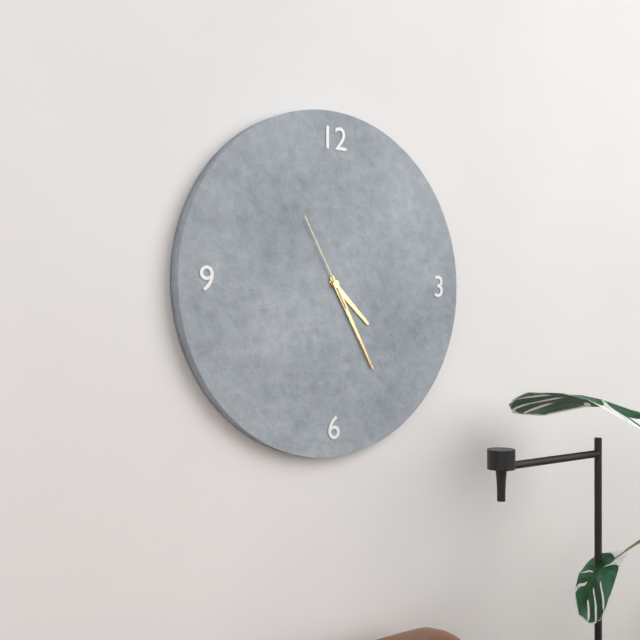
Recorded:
4.25.55
